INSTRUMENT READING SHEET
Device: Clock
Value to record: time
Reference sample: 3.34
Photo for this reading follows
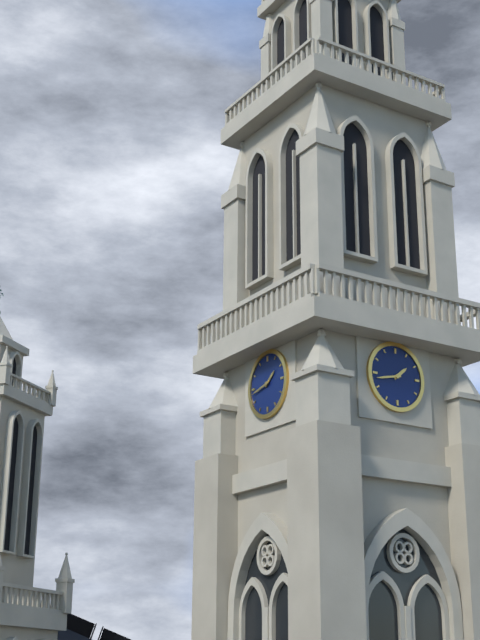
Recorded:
1.43
